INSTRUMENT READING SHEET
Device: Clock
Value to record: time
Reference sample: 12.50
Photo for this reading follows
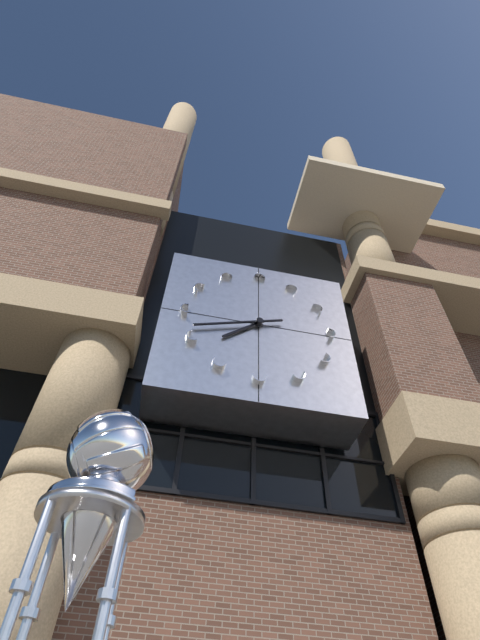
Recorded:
7.42
